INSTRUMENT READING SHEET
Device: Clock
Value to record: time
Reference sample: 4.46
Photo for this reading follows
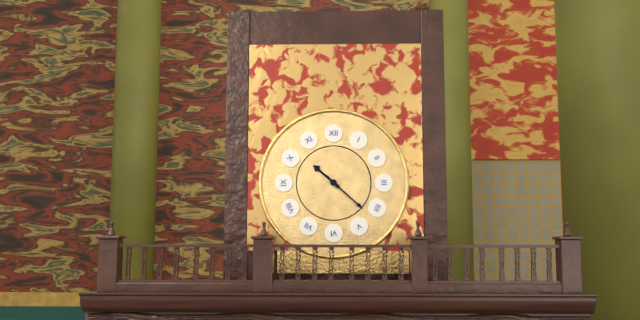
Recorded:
10.22
